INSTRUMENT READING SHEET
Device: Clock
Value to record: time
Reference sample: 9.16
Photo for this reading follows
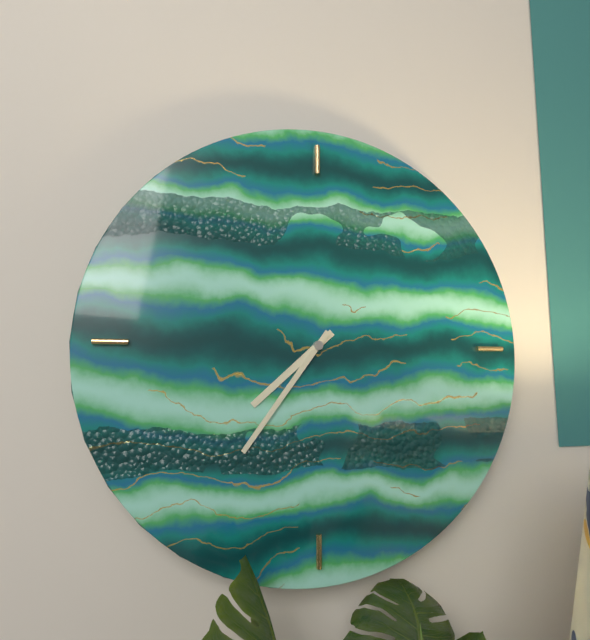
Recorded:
7.36
